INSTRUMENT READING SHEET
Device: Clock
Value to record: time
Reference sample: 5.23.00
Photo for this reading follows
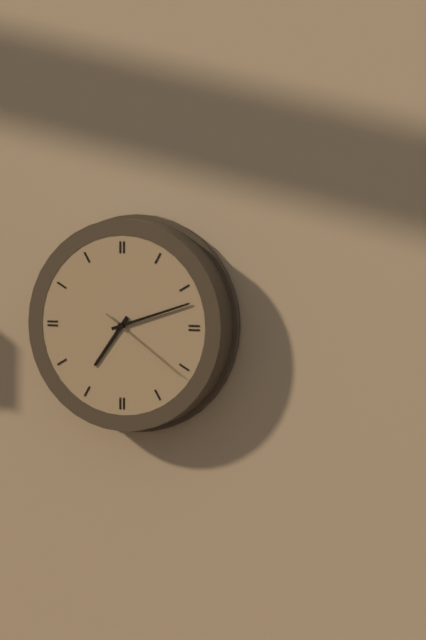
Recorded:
7.12.21
